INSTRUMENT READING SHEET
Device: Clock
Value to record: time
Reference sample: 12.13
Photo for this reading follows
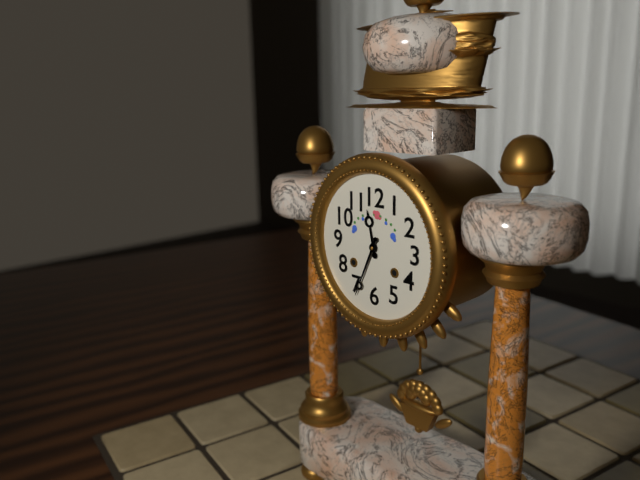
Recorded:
11.34
